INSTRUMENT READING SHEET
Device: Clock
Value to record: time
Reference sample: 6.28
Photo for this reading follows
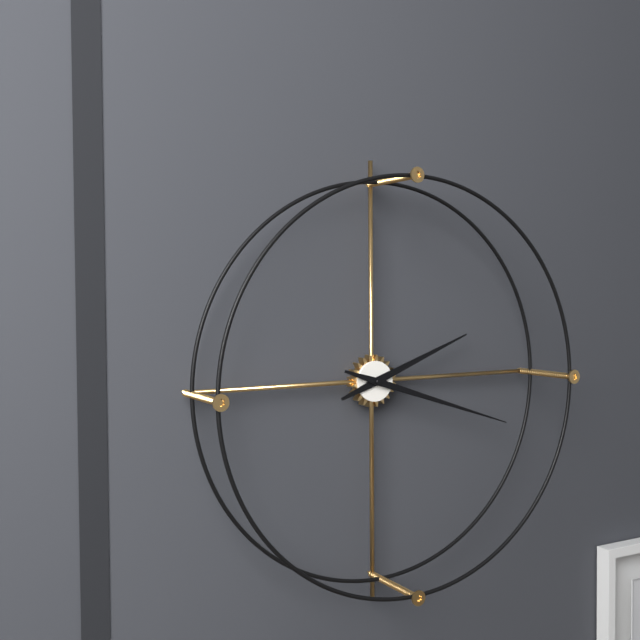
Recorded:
2.18
